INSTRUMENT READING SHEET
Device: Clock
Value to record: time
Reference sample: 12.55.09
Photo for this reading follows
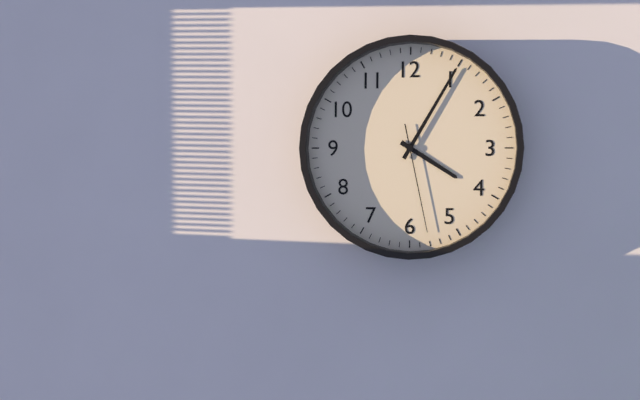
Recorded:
4.05.28
